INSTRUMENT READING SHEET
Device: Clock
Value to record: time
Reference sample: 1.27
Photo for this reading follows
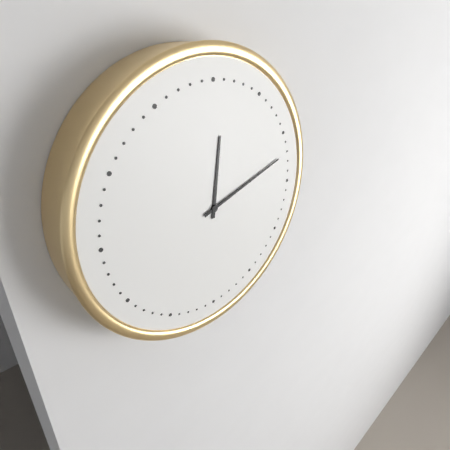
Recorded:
12.12
